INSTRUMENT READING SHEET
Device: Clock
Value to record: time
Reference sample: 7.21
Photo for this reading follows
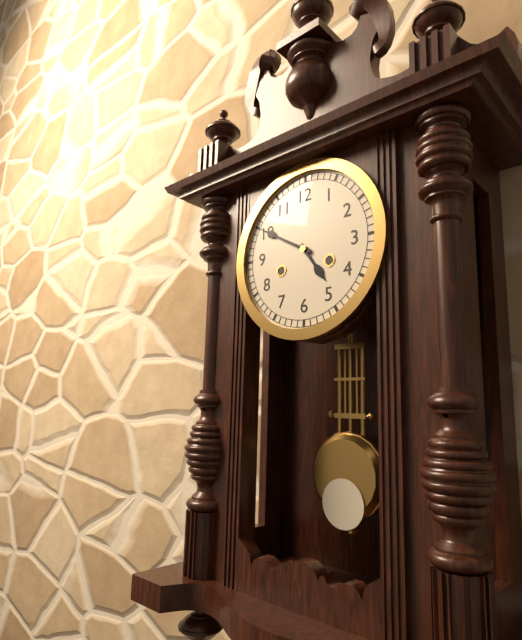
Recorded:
4.50
